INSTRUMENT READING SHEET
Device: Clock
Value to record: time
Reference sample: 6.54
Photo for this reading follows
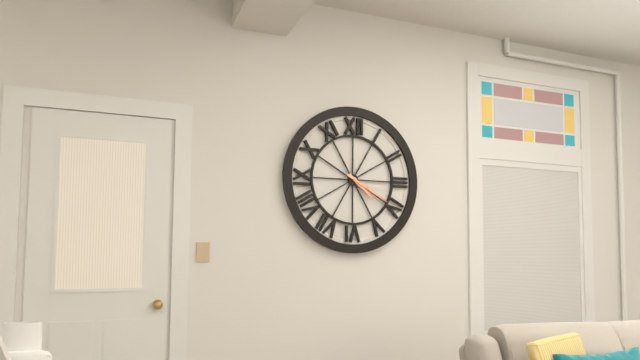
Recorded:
4.20
